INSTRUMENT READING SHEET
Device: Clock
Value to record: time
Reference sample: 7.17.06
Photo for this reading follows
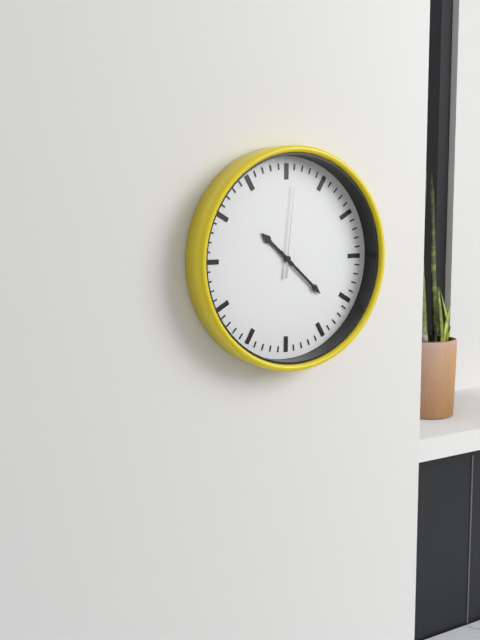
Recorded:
10.22.01
